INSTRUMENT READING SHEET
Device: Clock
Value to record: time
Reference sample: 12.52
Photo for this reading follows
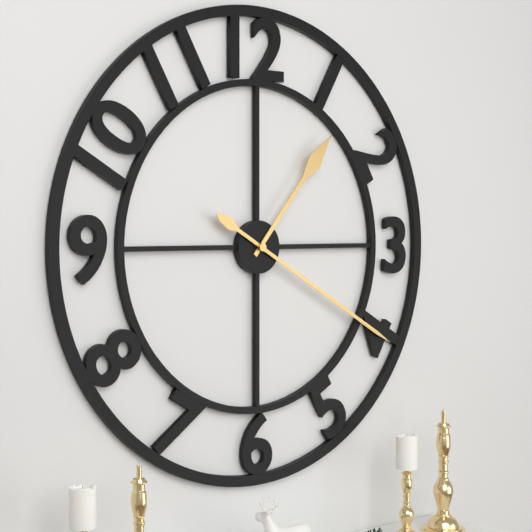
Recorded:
1.20
